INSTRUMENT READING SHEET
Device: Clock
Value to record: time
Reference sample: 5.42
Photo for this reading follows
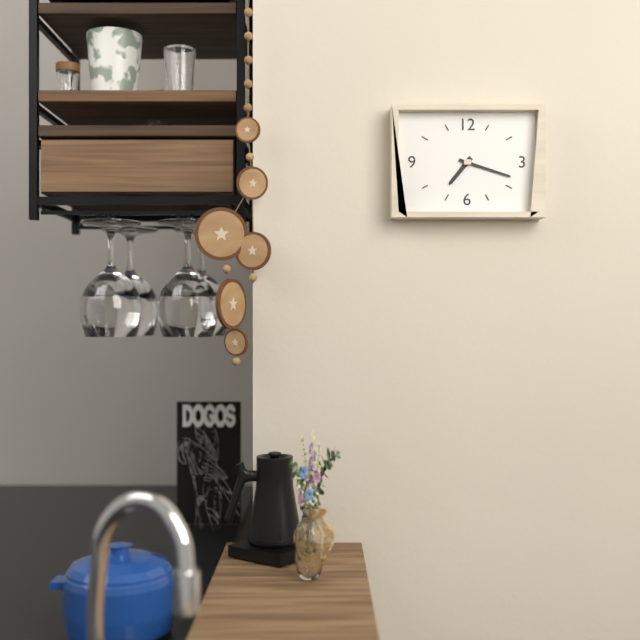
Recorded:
7.18
